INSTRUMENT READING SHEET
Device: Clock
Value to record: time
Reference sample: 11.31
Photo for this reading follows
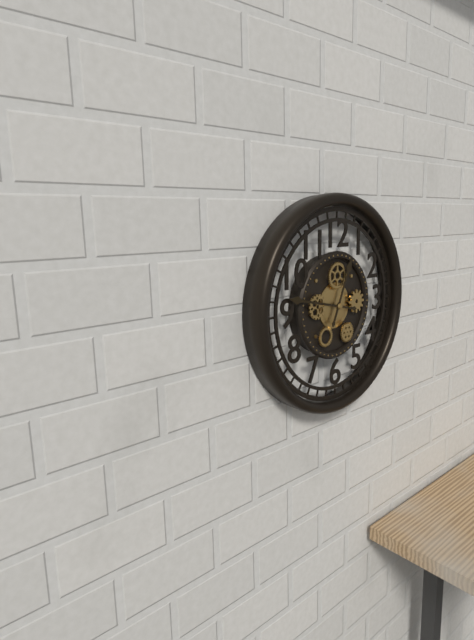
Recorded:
12.47
